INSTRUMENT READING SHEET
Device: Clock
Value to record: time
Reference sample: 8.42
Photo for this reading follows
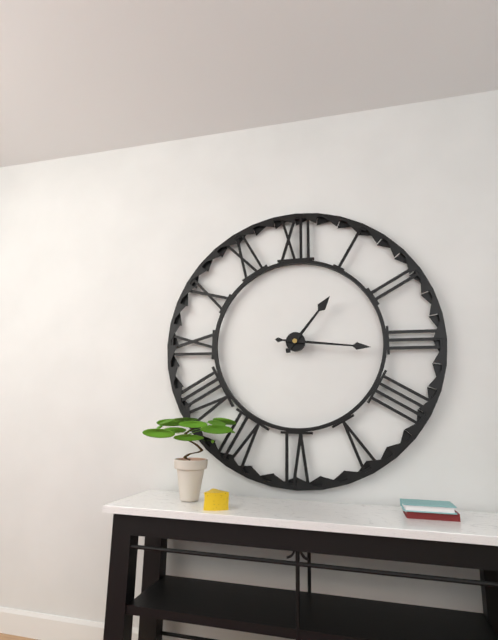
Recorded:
1.16
